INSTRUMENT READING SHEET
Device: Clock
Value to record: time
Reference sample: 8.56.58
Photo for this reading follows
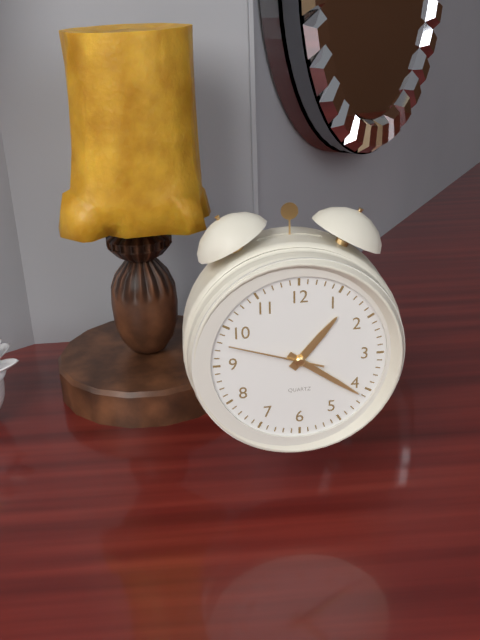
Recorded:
1.21.48
